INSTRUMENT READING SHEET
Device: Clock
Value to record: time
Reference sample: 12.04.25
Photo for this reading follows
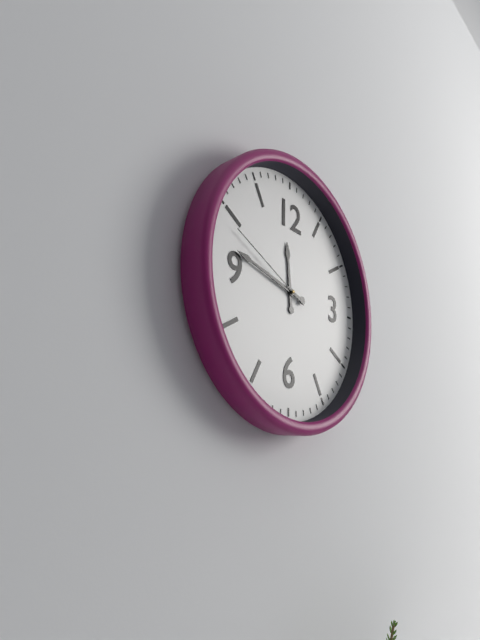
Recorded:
11.47.49
